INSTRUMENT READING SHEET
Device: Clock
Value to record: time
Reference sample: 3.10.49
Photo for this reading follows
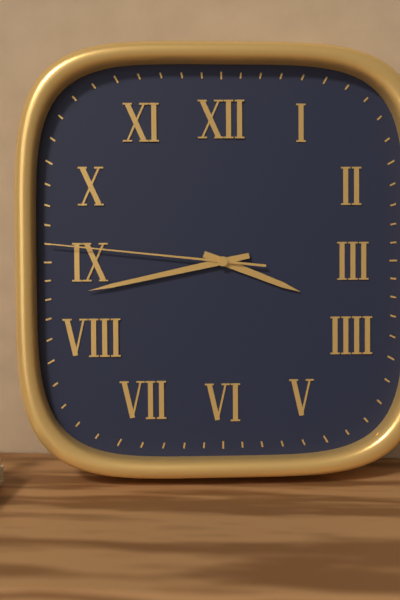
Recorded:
3.43.46
